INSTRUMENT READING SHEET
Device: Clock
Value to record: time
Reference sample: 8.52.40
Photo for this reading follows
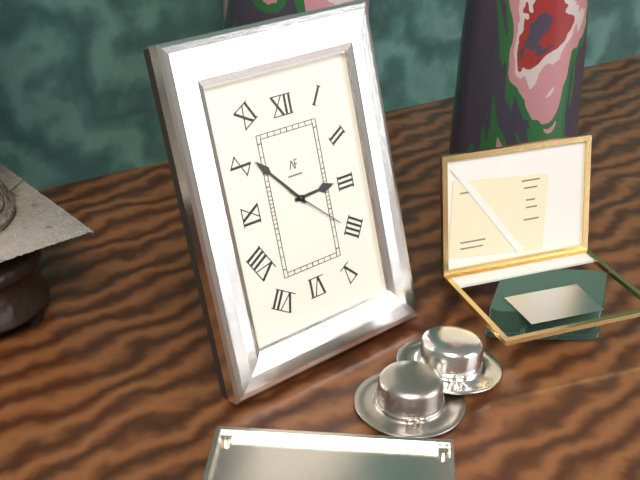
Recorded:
2.53.22
